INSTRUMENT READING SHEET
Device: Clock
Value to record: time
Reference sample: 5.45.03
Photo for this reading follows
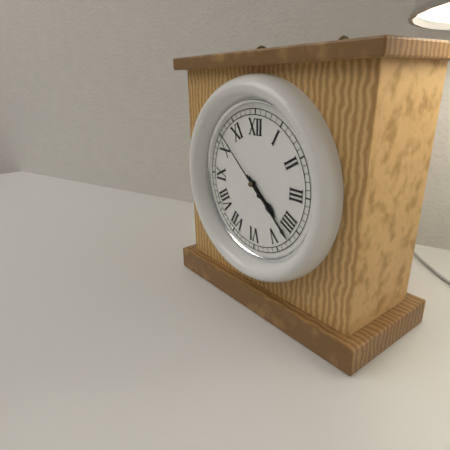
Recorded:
4.22.52
